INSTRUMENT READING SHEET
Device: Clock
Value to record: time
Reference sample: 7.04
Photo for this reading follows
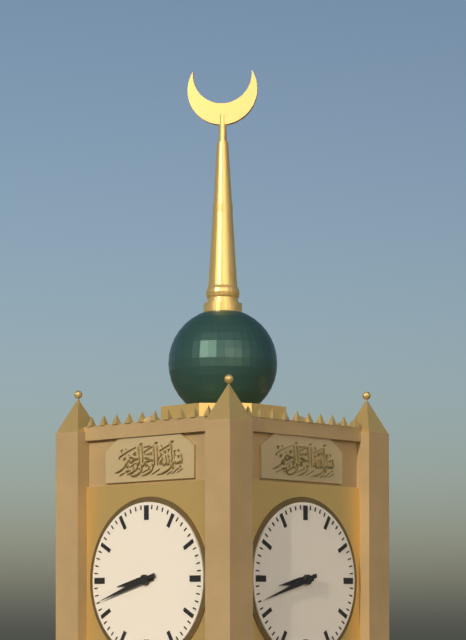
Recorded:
8.42
